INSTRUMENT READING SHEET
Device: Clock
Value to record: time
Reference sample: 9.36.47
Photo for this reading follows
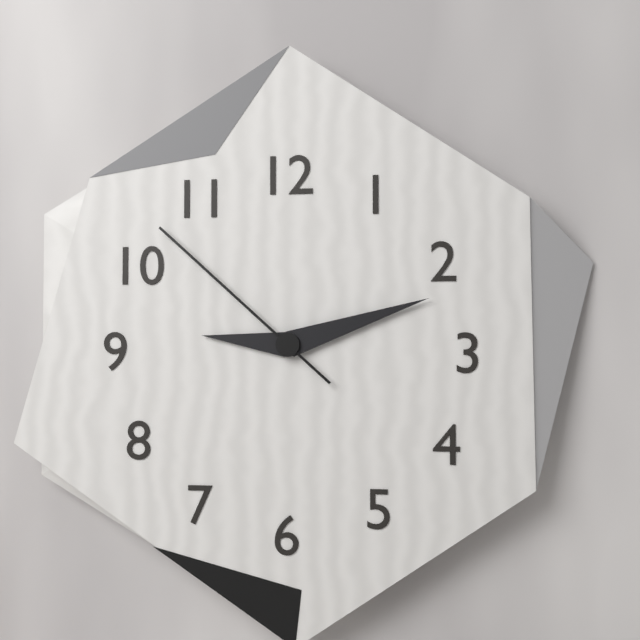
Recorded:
9.12.52
